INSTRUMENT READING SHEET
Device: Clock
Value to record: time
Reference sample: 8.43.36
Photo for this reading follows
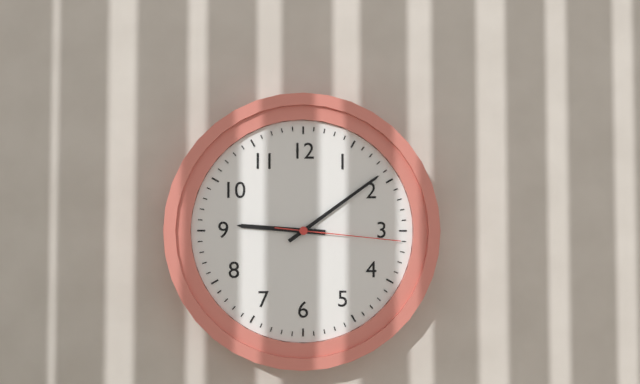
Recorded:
9.09.16
